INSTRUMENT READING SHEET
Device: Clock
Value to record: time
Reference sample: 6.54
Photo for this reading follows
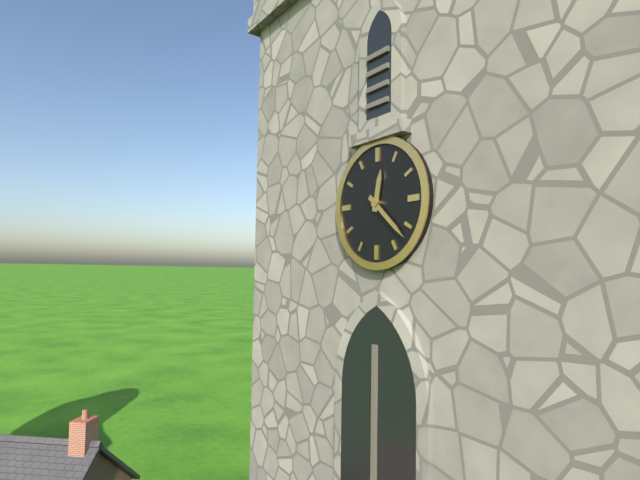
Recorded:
12.22
